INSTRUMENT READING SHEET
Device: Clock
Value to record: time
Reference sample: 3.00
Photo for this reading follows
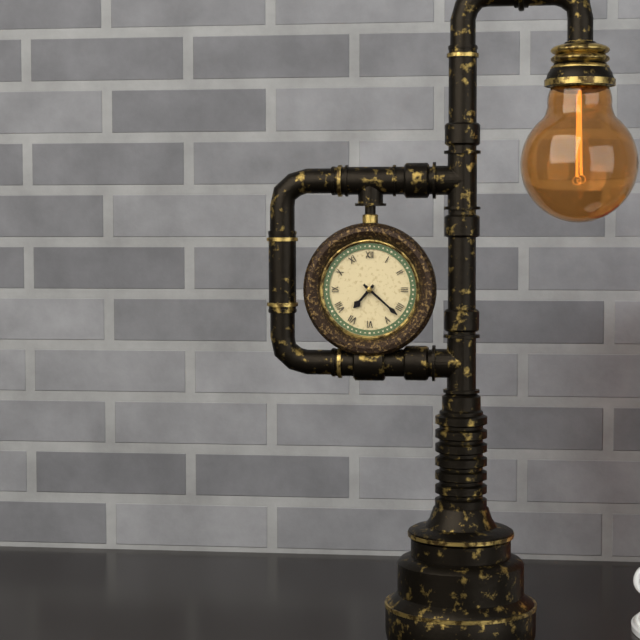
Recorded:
7.22
